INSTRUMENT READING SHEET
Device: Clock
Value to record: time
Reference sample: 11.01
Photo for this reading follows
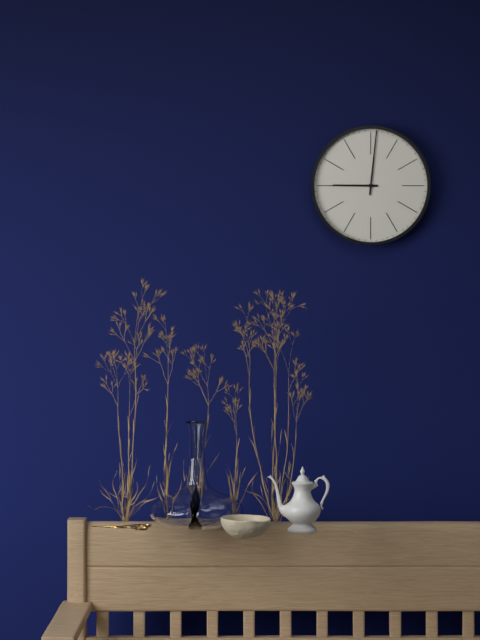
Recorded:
9.01
